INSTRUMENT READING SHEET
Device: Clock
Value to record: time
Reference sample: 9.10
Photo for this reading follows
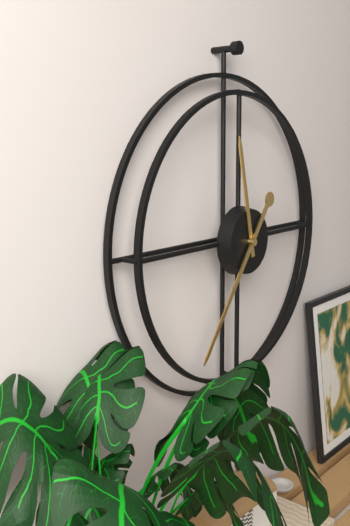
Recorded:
11.36
